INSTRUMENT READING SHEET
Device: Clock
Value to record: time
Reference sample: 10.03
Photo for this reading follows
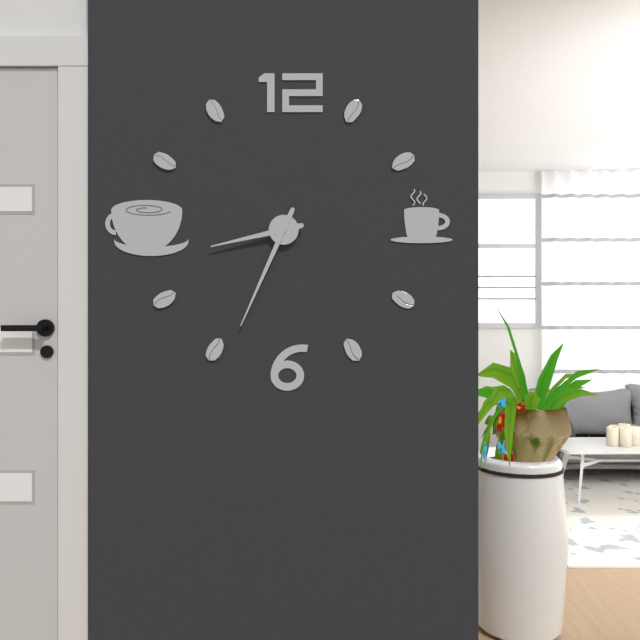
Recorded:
8.34
